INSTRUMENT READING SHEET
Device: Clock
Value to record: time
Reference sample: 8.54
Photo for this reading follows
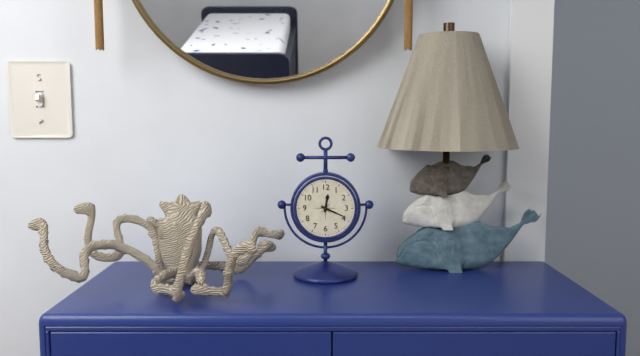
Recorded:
12.19
